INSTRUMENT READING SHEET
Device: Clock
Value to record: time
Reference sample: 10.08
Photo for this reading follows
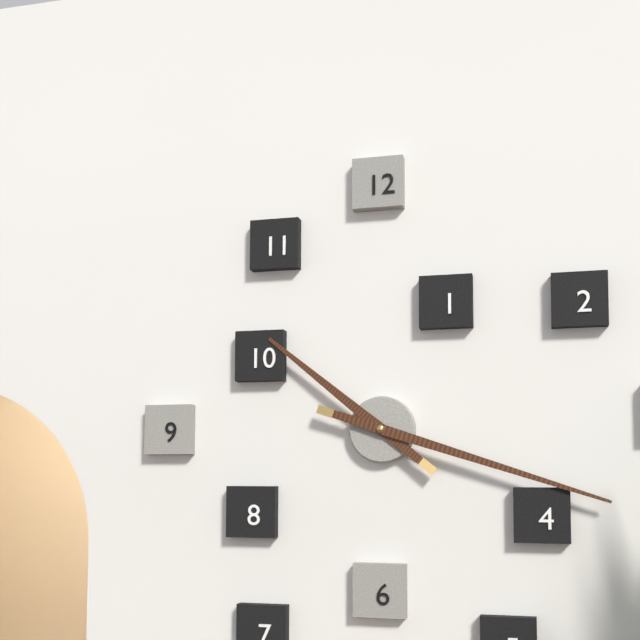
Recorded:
10.18
